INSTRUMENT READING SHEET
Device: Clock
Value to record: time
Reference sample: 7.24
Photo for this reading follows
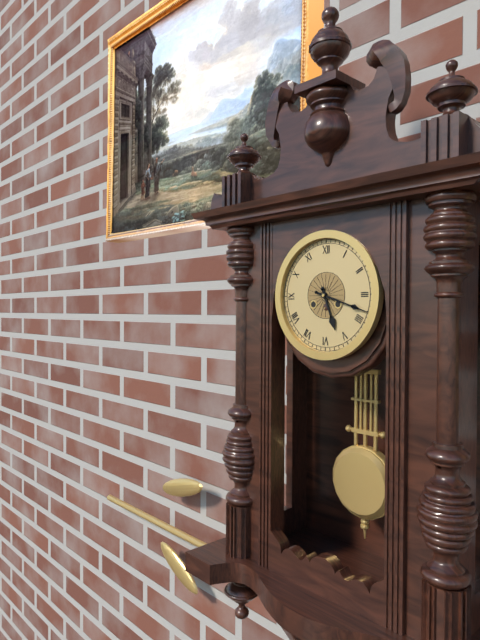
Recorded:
5.18
